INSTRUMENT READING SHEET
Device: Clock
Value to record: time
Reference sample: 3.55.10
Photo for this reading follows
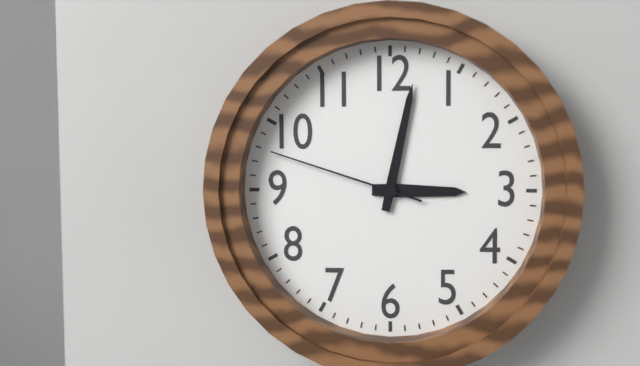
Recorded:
3.02.48
